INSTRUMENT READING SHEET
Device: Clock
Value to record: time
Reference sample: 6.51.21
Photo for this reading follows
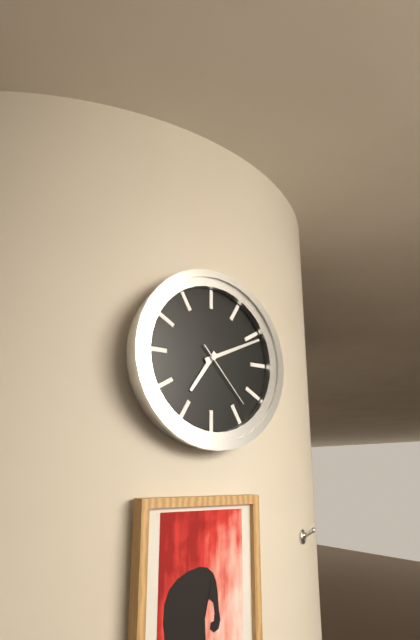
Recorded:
7.11.23
